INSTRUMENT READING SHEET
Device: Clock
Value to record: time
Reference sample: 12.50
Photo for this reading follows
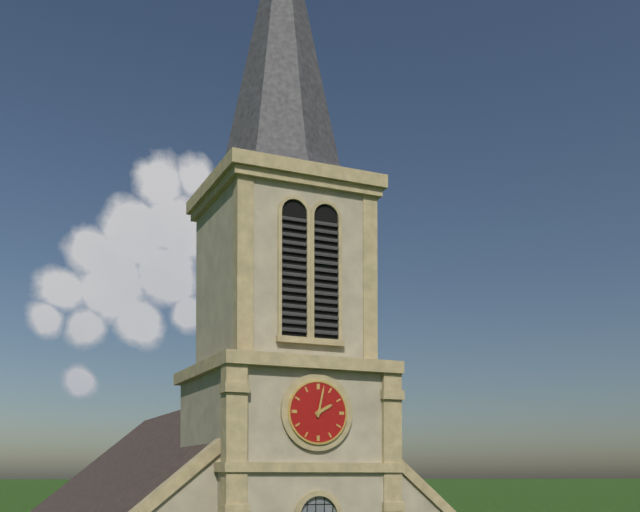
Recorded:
2.02
